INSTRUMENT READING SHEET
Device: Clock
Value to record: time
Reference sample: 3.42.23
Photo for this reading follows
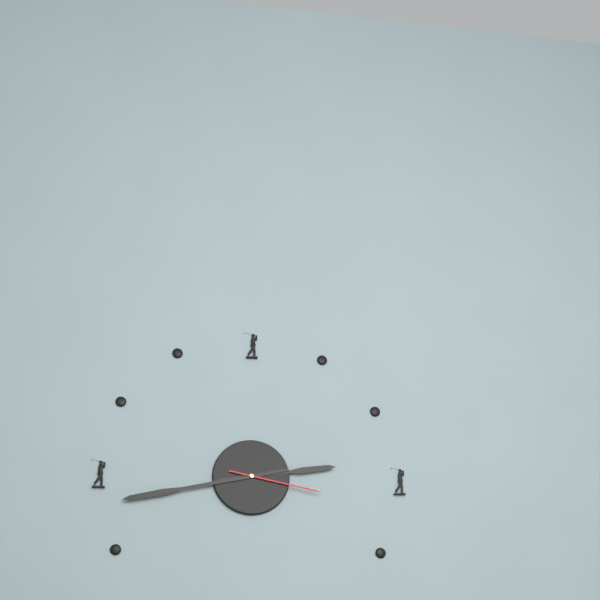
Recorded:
2.43.17
